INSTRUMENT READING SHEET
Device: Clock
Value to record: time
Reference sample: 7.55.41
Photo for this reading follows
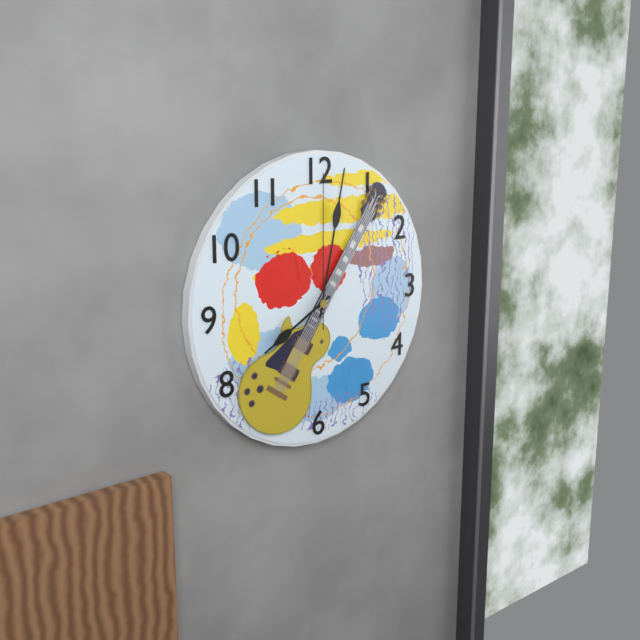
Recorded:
8.02.00
